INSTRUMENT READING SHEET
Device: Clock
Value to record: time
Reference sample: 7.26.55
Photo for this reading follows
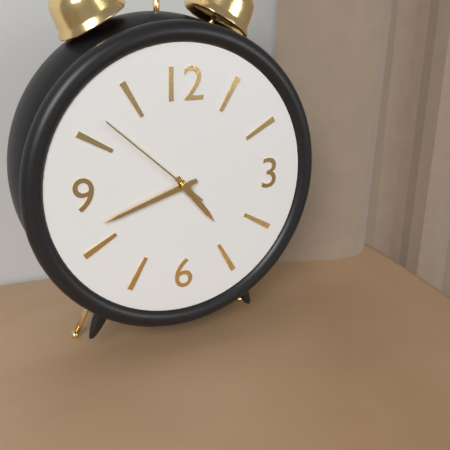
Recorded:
4.42.52
